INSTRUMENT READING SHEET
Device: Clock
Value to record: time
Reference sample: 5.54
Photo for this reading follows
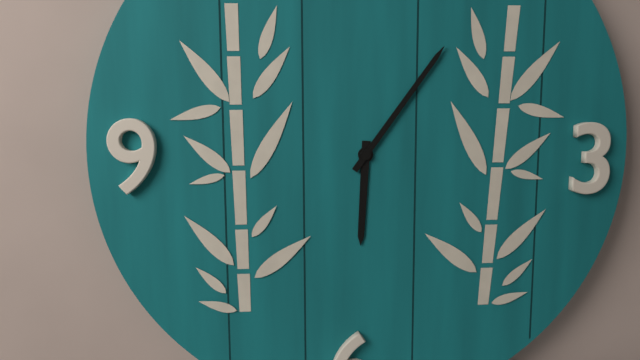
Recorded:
6.06
